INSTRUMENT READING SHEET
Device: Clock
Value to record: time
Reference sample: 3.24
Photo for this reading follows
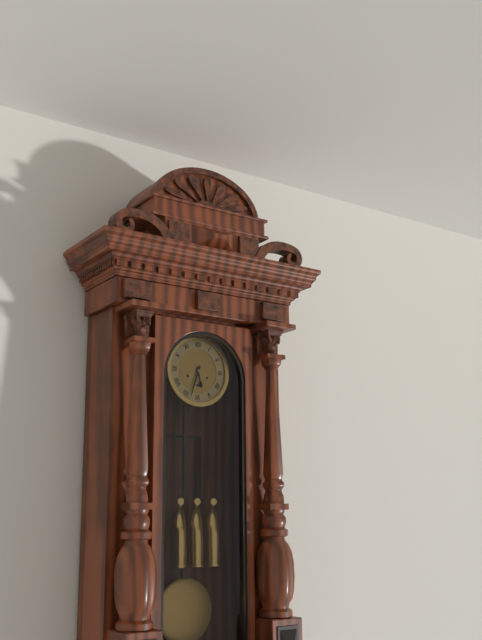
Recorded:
5.33
